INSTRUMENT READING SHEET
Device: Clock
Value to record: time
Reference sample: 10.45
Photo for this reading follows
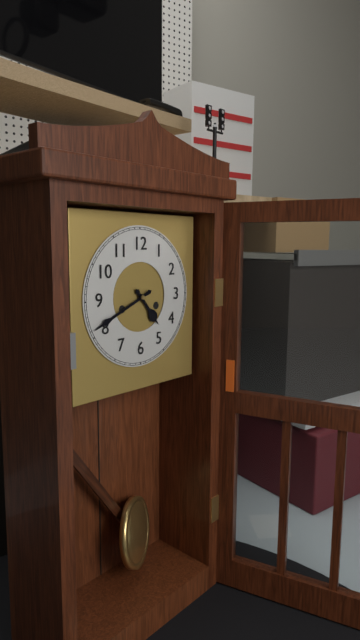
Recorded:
4.41
